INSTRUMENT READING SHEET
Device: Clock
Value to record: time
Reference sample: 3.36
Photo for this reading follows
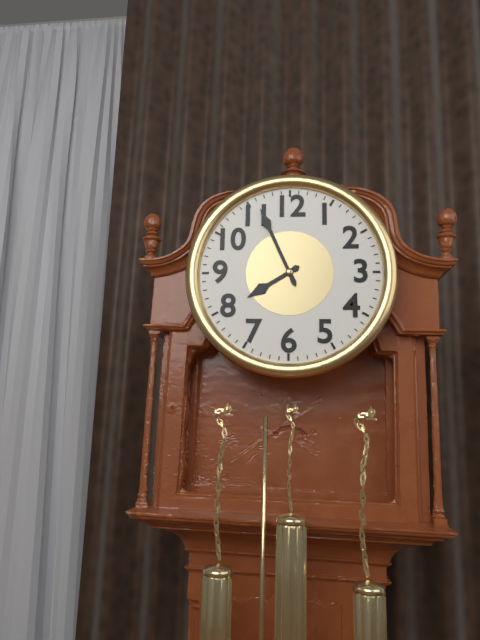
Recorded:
7.56
